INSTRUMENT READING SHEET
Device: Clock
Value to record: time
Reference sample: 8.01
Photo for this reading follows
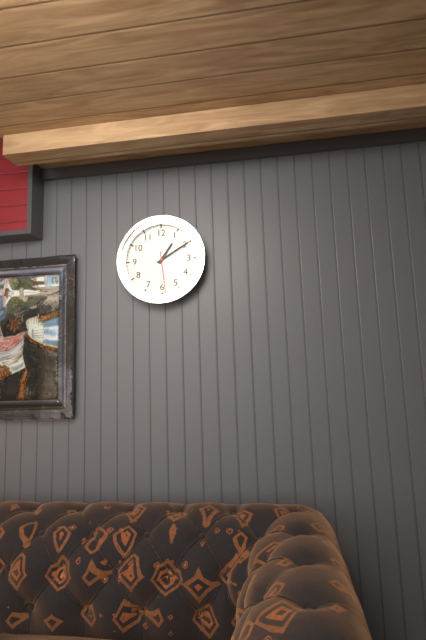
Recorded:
1.10
